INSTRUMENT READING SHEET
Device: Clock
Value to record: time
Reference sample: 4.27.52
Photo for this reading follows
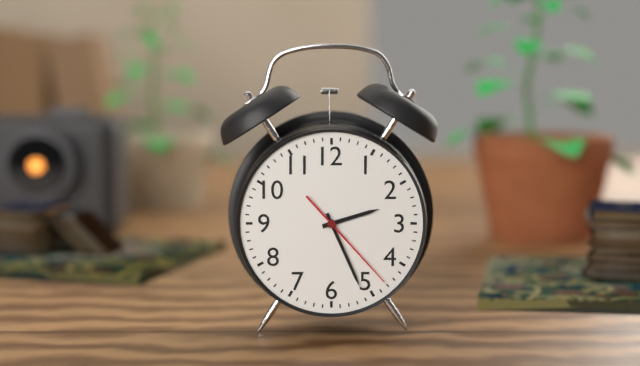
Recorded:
2.26.23
